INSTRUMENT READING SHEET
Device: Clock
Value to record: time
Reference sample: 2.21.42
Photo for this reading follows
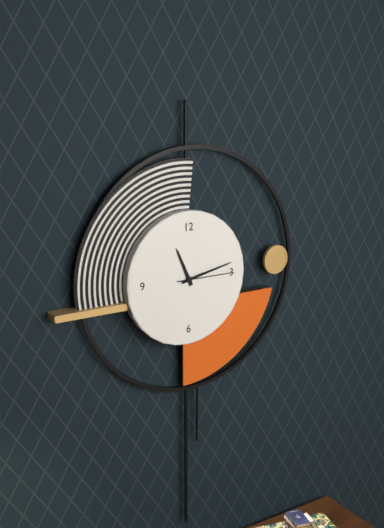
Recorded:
11.13.15
